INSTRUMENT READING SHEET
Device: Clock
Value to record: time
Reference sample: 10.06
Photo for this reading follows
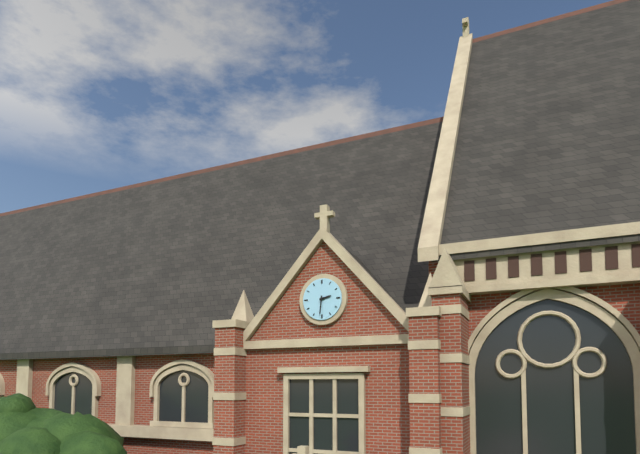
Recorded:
2.31
